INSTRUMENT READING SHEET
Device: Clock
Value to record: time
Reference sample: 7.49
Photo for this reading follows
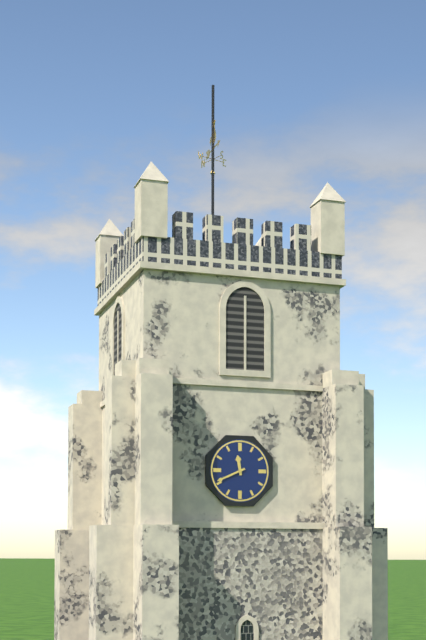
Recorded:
11.41
